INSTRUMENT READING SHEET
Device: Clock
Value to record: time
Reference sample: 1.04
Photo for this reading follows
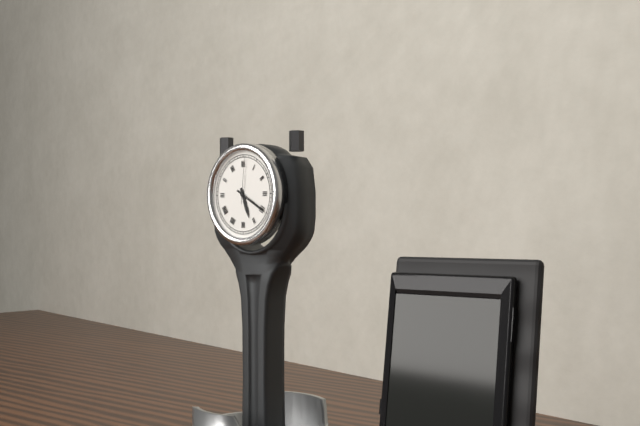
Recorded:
5.20
